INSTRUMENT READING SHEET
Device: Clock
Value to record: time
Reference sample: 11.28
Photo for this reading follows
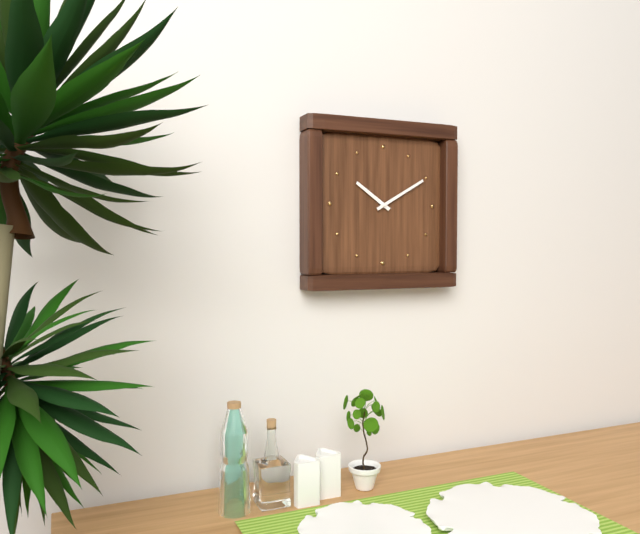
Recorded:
10.10
